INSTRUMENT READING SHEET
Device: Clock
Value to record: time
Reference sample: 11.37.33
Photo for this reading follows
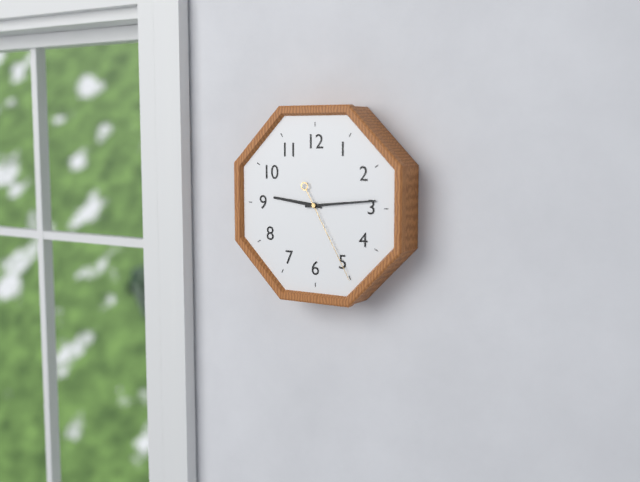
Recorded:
9.14.25
